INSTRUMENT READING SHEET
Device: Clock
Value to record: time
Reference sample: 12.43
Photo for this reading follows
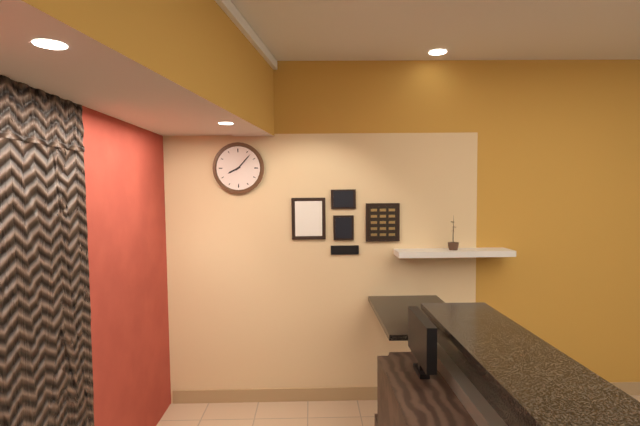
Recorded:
8.07
